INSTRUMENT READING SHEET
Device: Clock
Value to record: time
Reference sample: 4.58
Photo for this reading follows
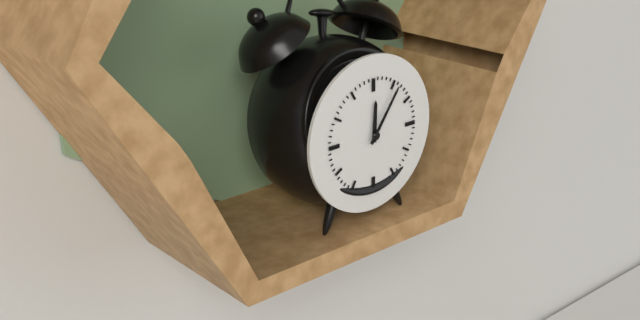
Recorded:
12.06
